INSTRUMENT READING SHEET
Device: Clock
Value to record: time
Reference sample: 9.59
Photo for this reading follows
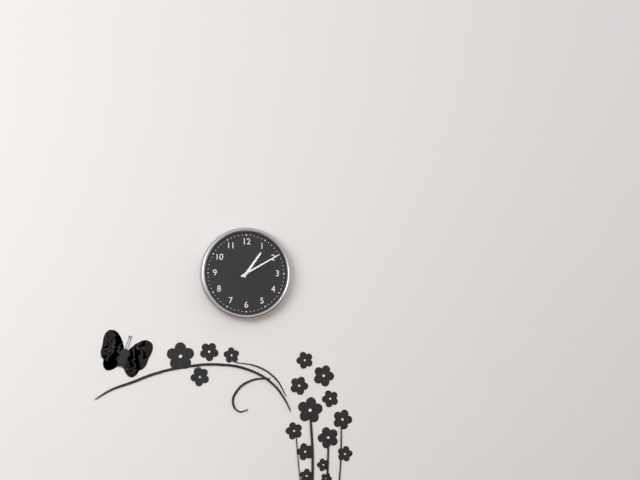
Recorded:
1.10
